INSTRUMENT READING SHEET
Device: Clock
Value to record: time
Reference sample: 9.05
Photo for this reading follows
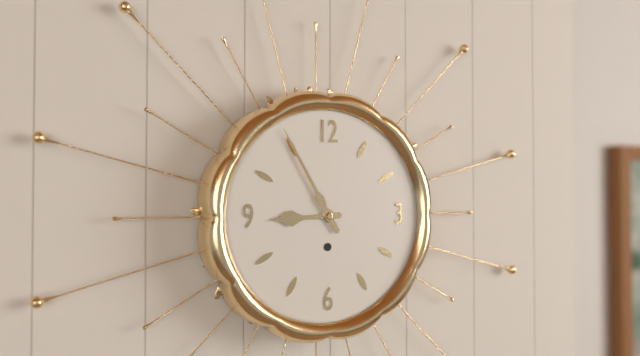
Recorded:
8.55
